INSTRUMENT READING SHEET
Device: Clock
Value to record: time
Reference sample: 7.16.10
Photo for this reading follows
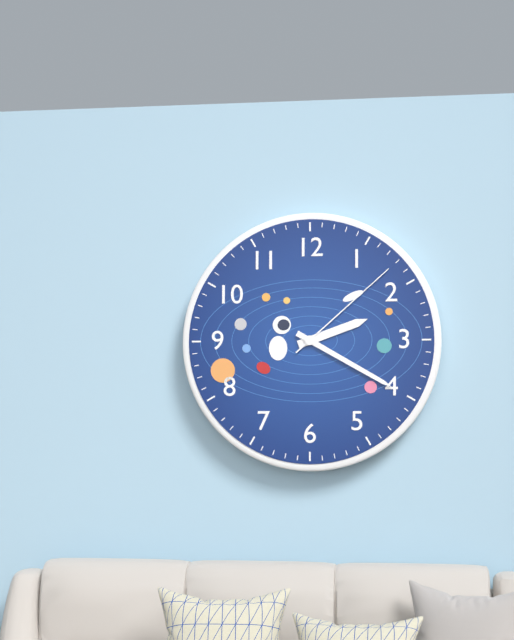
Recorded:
2.20.08
